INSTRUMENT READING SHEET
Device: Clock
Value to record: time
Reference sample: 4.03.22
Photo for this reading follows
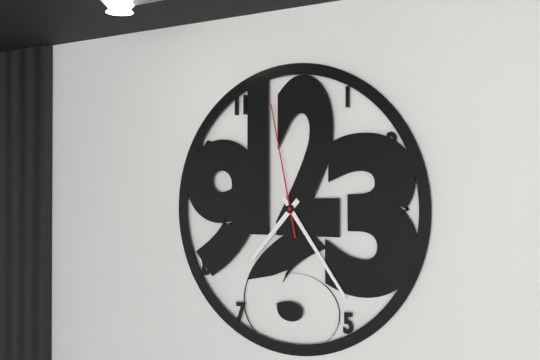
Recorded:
7.24.58
